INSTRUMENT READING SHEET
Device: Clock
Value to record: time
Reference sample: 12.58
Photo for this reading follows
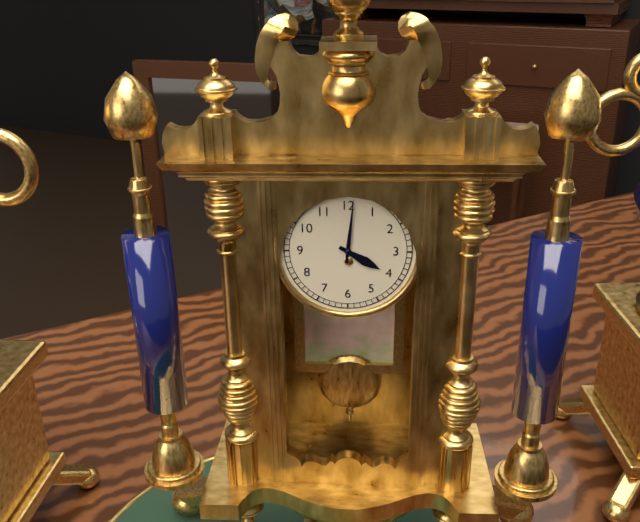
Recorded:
4.01
